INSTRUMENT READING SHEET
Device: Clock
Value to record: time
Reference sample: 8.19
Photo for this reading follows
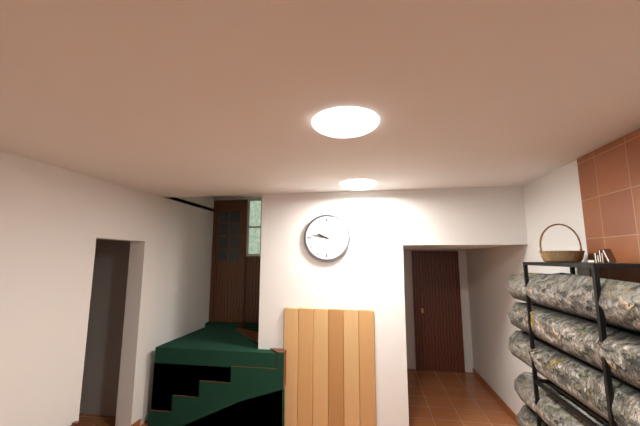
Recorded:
9.47
